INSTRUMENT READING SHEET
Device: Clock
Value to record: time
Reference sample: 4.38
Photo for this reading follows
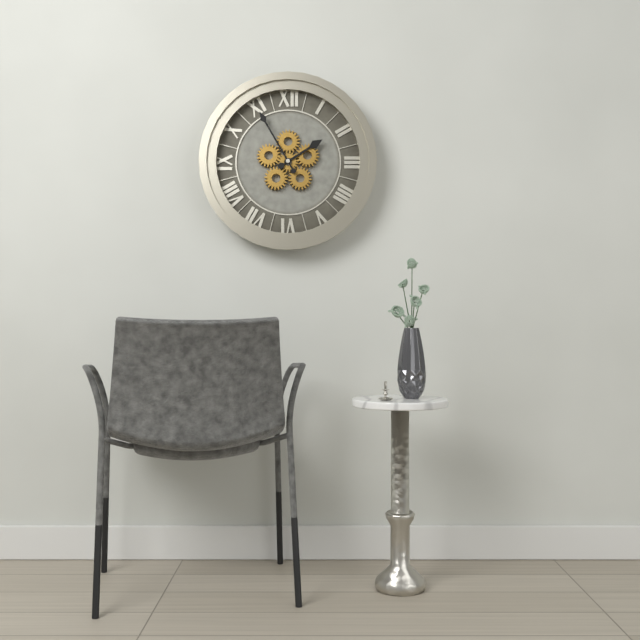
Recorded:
1.55
